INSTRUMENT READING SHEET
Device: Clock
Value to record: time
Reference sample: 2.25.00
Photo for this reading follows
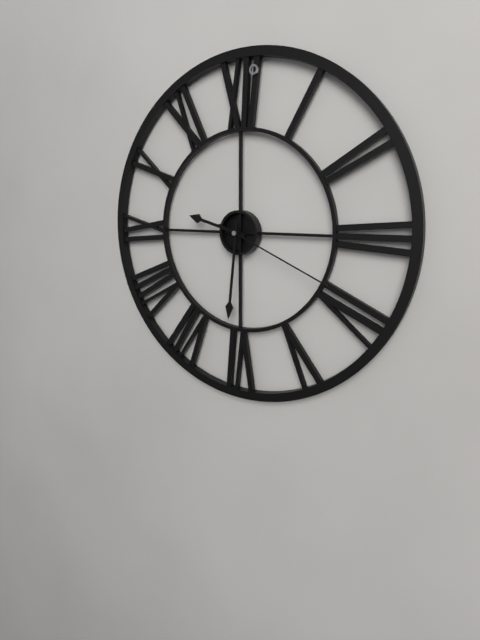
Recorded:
9.31.19
